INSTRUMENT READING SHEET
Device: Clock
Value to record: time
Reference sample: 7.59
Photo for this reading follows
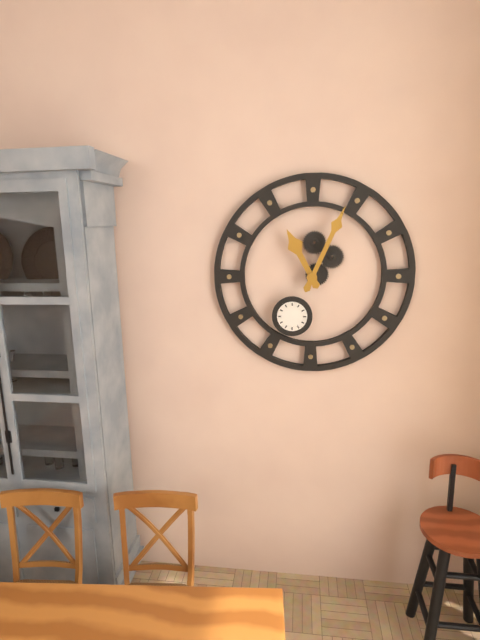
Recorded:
11.04
